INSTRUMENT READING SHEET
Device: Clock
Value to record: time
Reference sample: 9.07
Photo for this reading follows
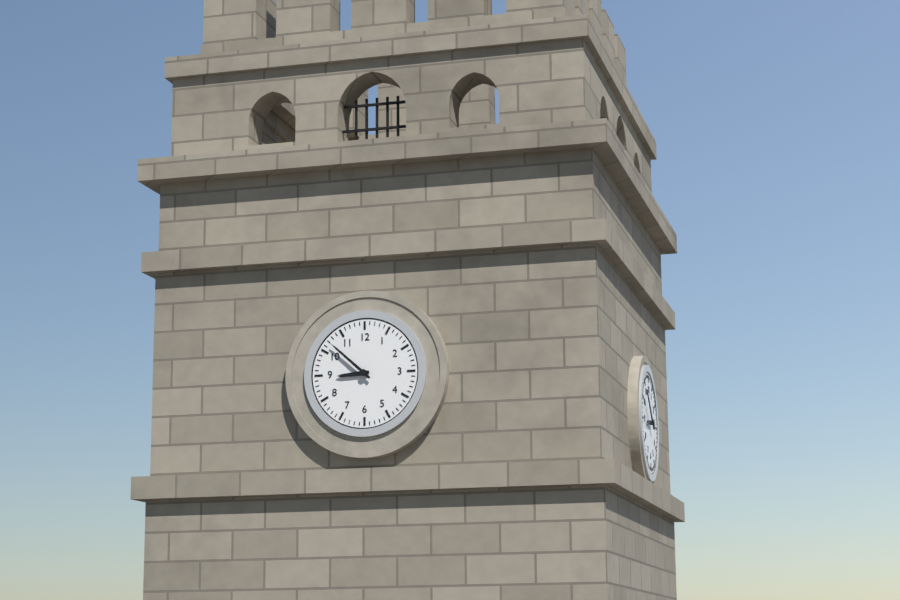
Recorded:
8.52
